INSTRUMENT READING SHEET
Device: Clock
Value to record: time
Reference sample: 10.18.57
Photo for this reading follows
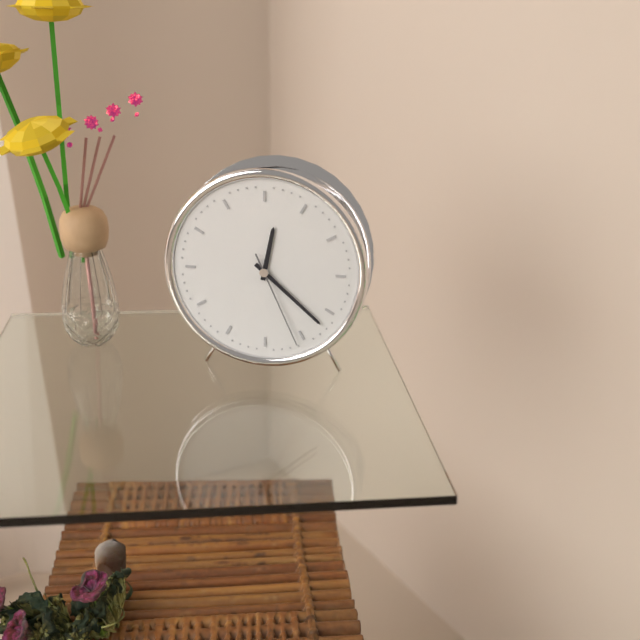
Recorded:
12.22.26
